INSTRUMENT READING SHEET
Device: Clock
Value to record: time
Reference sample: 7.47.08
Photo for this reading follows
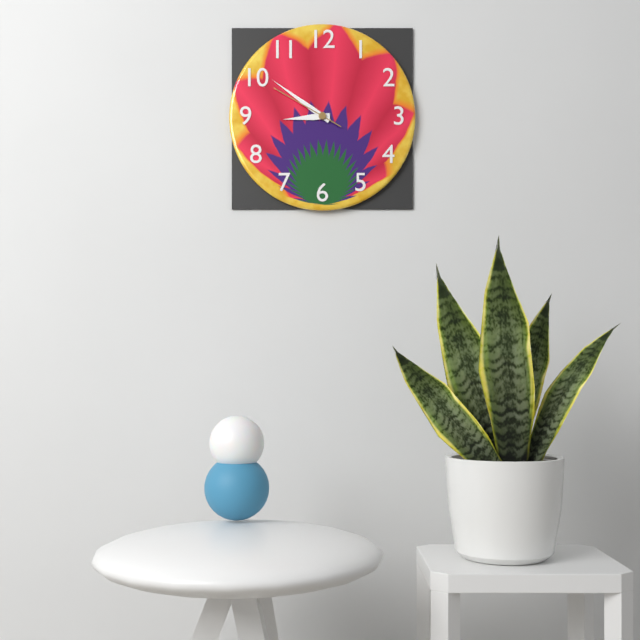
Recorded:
8.51.50
